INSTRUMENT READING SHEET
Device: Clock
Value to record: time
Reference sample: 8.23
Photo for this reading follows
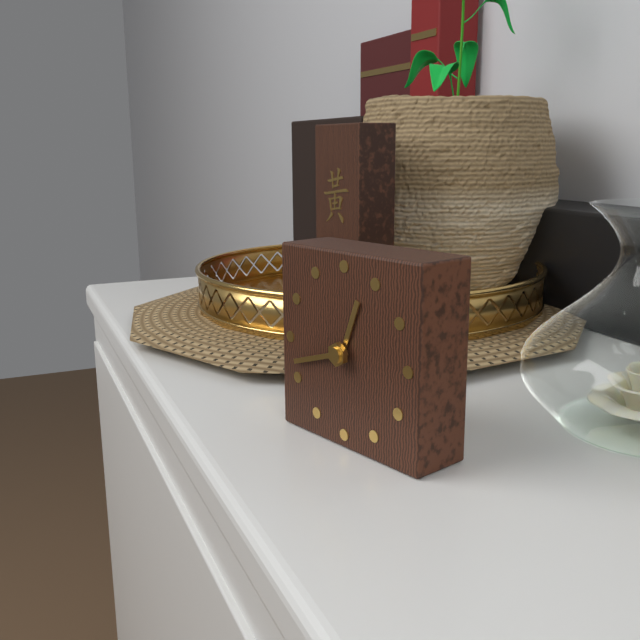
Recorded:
12.42
